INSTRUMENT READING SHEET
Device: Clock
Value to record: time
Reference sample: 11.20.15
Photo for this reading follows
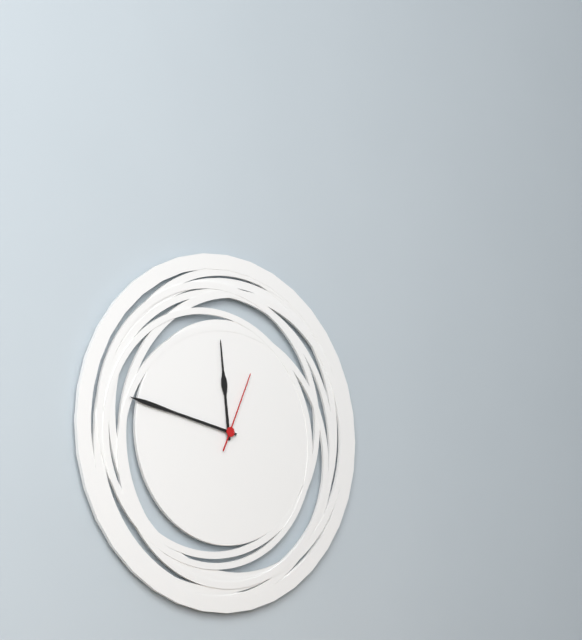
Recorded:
11.47.04
